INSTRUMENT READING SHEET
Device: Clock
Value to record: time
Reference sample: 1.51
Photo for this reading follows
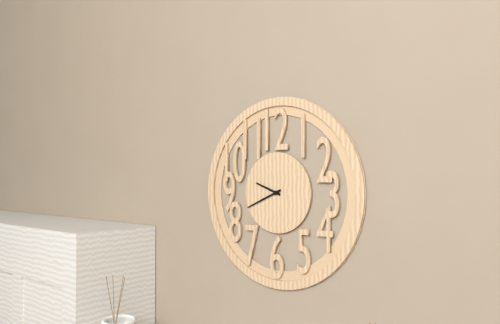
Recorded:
9.41
